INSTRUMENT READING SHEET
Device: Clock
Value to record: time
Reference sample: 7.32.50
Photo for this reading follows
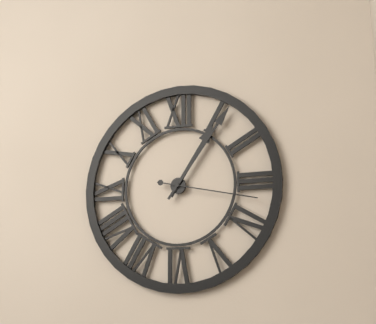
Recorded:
1.06.17
